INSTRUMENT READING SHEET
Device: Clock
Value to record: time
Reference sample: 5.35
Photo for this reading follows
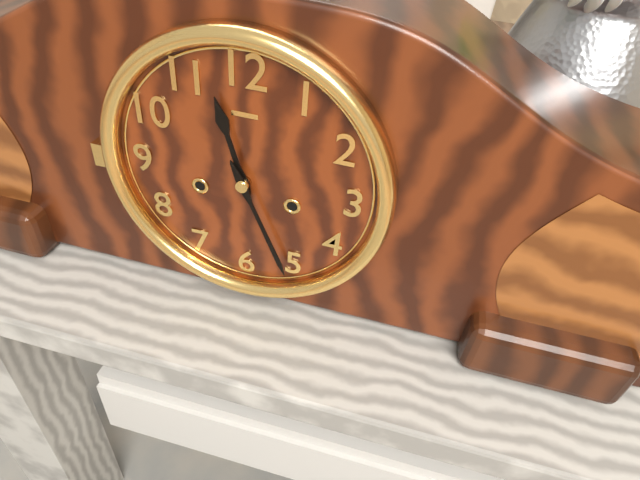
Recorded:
11.26
